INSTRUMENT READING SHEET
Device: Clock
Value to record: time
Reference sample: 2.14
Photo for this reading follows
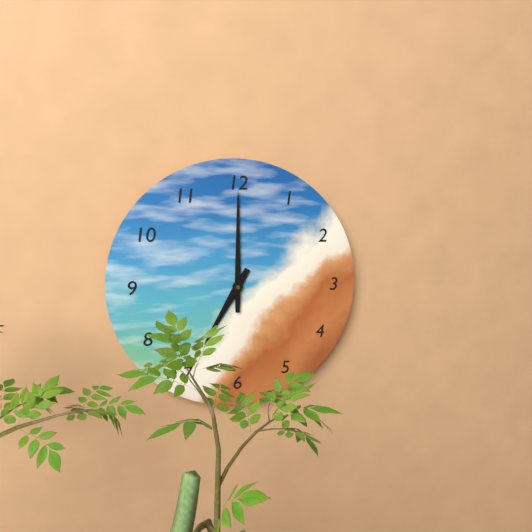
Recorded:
7.00
